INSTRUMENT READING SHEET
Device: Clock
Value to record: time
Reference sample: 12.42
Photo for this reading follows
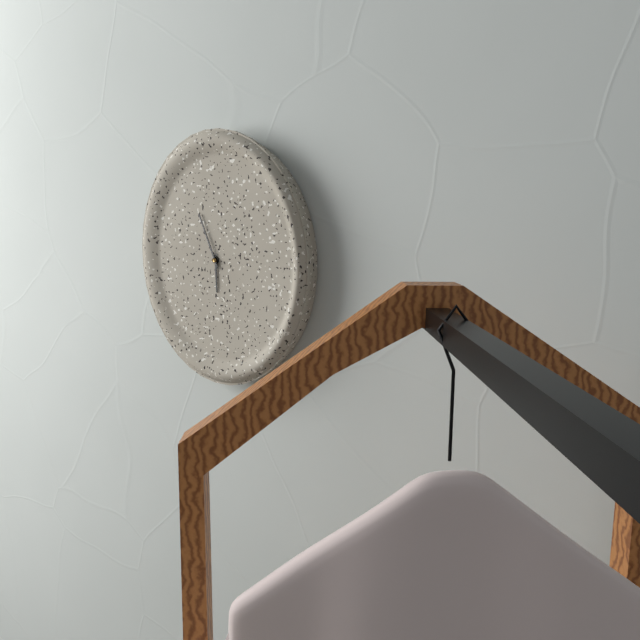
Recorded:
5.56
